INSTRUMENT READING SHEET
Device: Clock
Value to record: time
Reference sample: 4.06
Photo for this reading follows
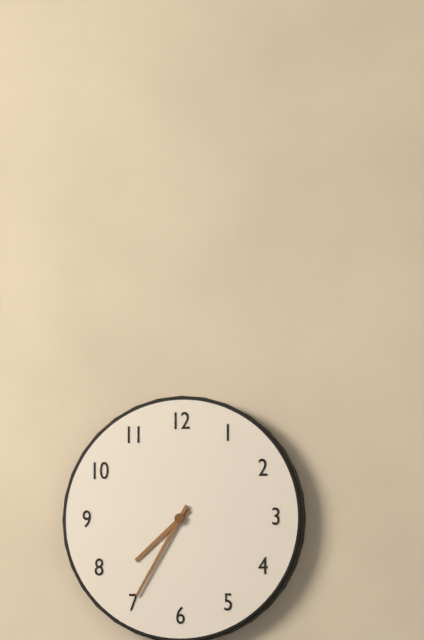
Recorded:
7.35
